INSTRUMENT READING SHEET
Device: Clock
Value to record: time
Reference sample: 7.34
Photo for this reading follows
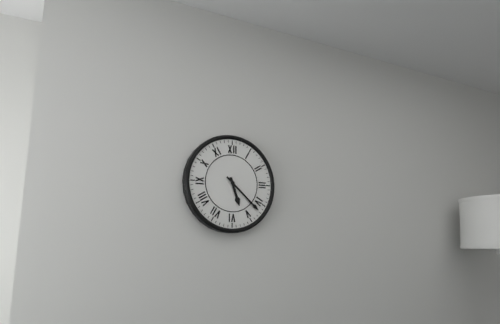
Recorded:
5.22
